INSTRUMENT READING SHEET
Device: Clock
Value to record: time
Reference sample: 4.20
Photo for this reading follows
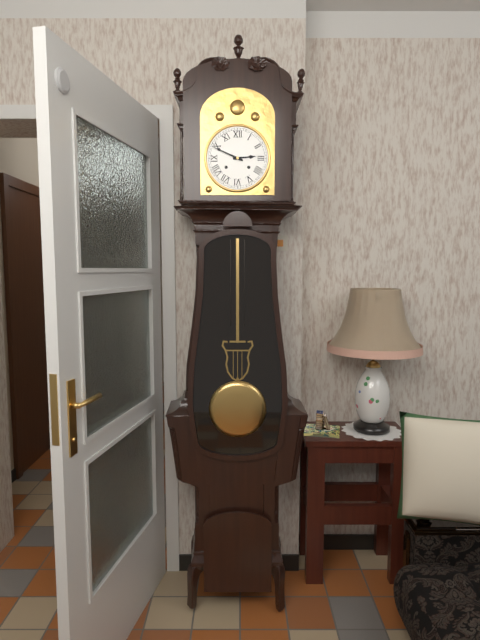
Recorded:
2.49
